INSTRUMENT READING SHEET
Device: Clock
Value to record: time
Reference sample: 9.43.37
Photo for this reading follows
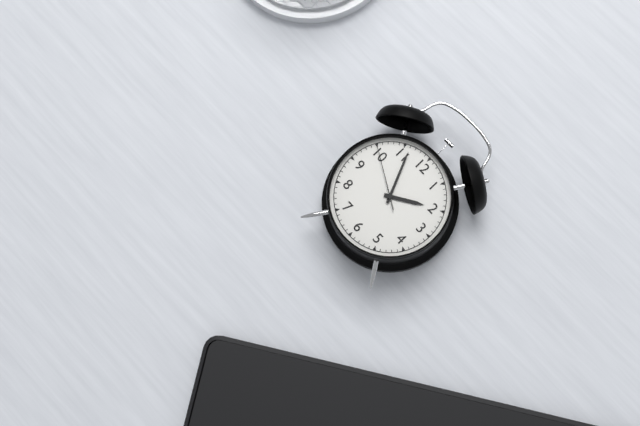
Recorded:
1.56.50
